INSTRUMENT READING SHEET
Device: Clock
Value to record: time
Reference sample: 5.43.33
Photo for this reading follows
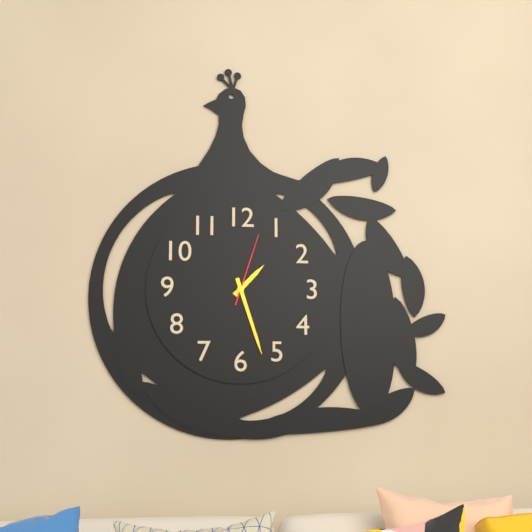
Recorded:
1.27.03
